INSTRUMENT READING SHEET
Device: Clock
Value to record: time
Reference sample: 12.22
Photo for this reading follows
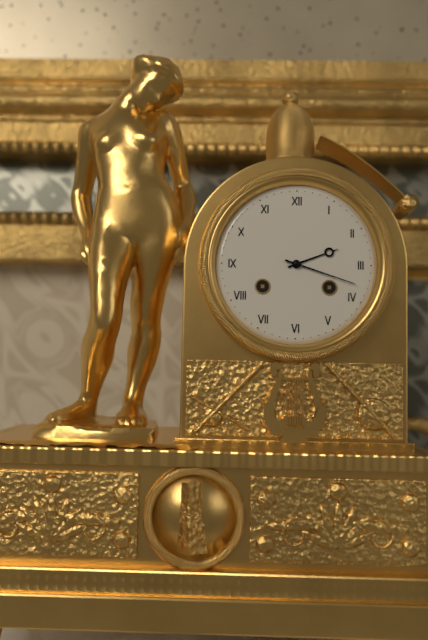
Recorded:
2.18
